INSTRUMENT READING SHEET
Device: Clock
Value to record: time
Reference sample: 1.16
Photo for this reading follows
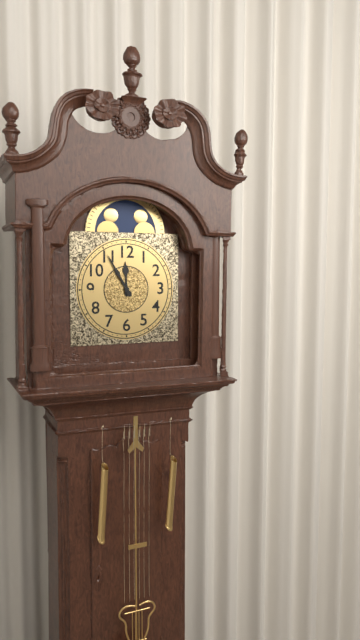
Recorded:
11.55
